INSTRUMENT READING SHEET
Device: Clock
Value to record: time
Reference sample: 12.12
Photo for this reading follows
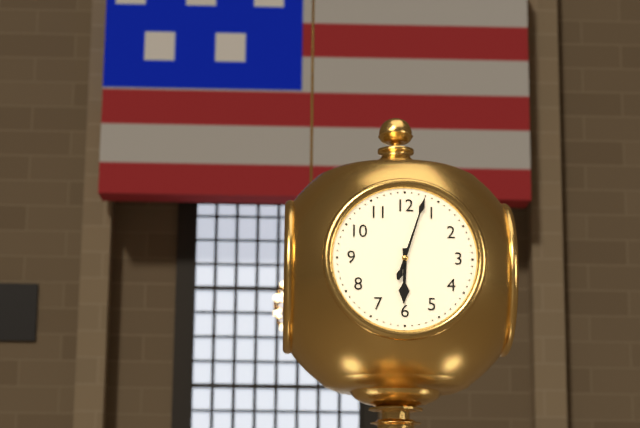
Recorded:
6.03
